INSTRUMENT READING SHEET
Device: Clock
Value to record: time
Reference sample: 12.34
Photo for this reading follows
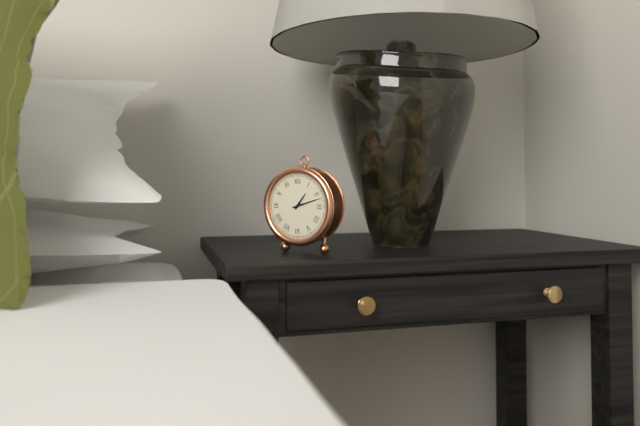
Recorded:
1.12
